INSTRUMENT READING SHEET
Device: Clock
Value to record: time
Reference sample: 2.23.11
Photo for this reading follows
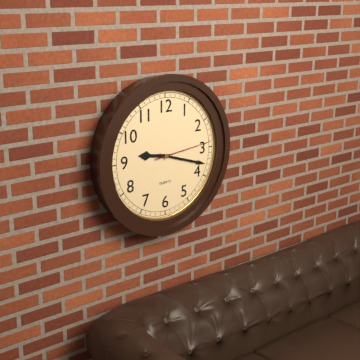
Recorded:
9.18.14
